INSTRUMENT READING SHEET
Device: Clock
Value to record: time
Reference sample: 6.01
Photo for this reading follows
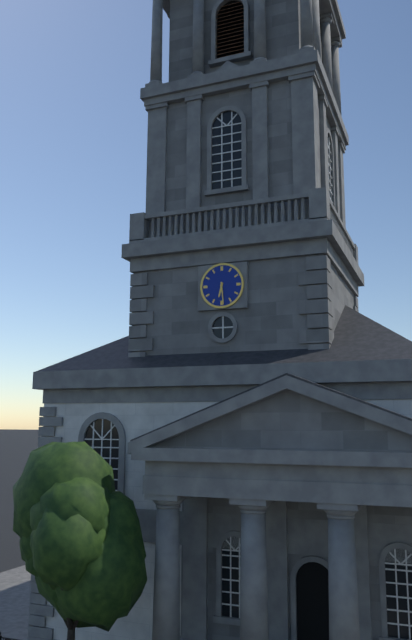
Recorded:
6.29
